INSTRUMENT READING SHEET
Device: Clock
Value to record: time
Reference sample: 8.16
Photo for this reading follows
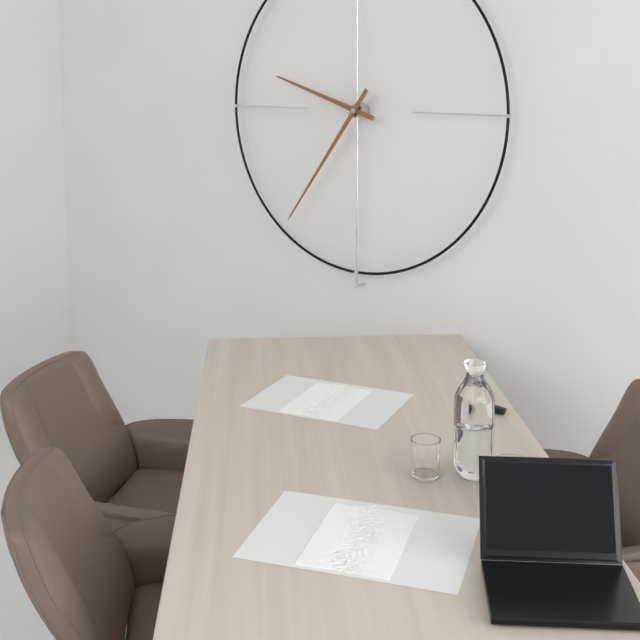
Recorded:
9.36
